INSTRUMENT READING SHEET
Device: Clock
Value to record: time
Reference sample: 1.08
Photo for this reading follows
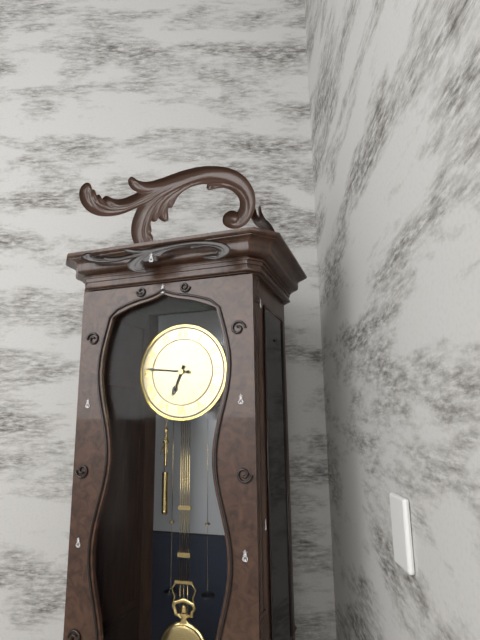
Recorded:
6.46
